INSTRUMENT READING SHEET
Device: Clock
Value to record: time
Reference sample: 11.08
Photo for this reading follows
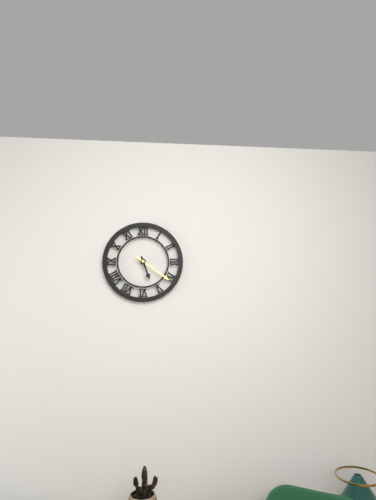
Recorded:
5.21
